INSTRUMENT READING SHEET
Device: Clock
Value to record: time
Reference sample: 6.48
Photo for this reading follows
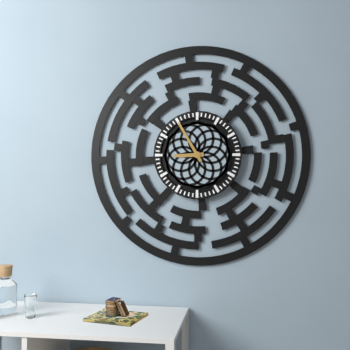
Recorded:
8.55
